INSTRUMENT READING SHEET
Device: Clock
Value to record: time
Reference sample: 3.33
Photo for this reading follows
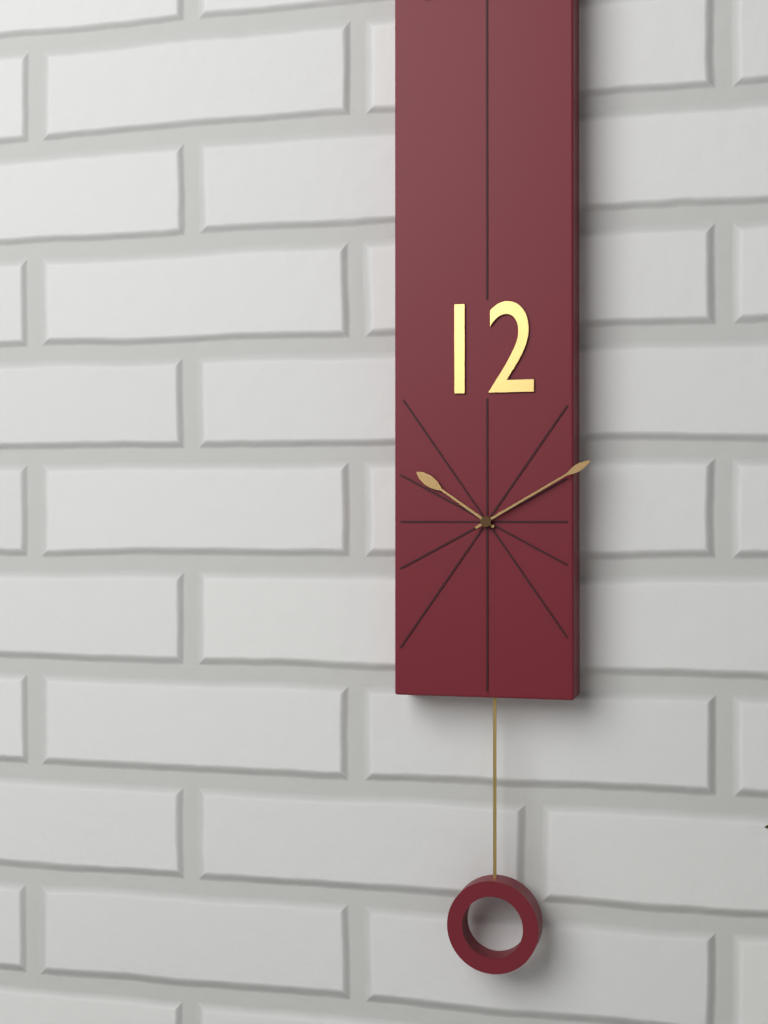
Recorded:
10.10
